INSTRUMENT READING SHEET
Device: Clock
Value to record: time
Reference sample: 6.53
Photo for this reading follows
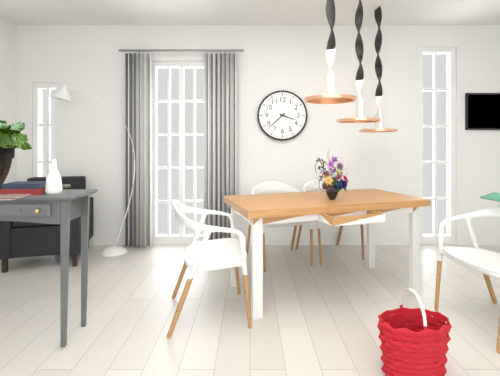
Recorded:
3.38
